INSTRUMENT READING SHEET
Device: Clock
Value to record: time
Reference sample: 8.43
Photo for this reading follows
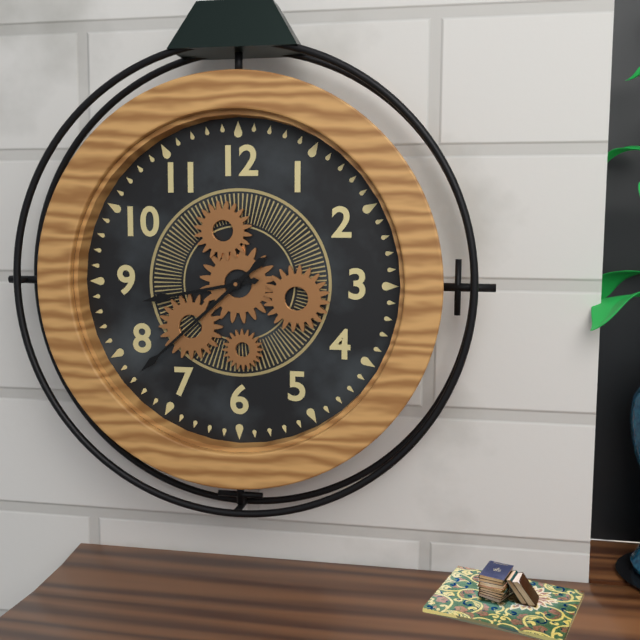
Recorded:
8.38
